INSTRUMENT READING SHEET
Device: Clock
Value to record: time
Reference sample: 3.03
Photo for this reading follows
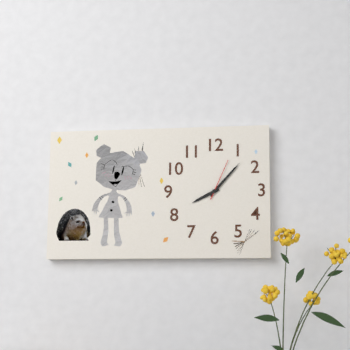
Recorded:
8.07
